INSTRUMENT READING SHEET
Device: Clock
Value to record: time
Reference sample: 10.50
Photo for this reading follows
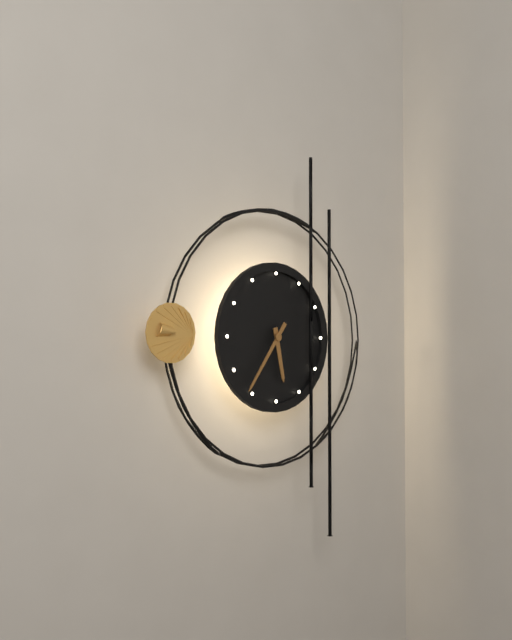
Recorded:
5.36
